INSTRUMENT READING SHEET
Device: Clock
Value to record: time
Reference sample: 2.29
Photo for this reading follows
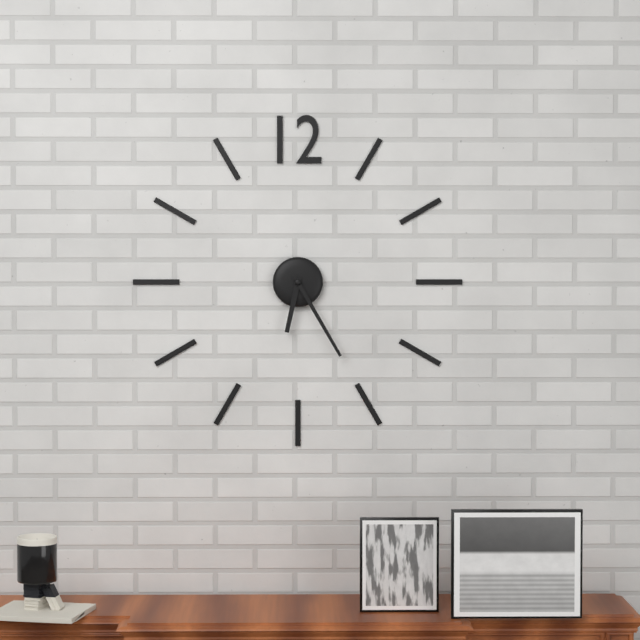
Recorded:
6.25
